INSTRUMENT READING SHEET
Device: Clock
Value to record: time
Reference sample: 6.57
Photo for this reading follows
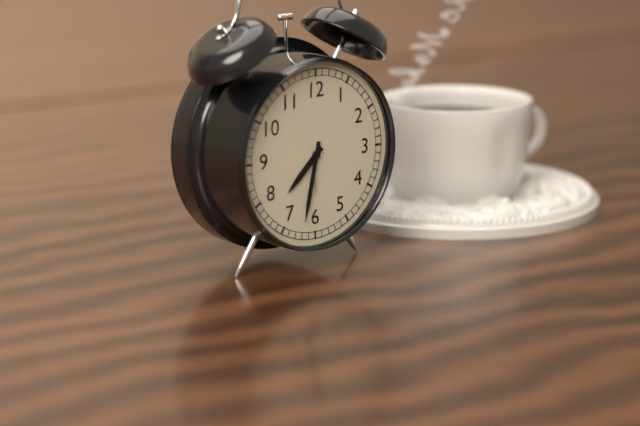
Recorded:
7.32
